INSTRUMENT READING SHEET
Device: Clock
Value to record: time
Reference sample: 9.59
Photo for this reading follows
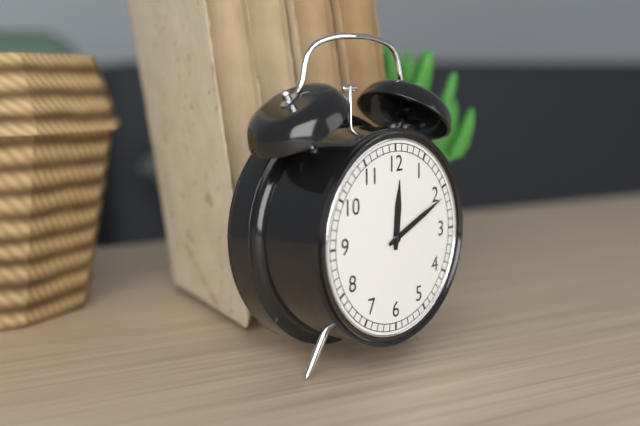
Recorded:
12.11
